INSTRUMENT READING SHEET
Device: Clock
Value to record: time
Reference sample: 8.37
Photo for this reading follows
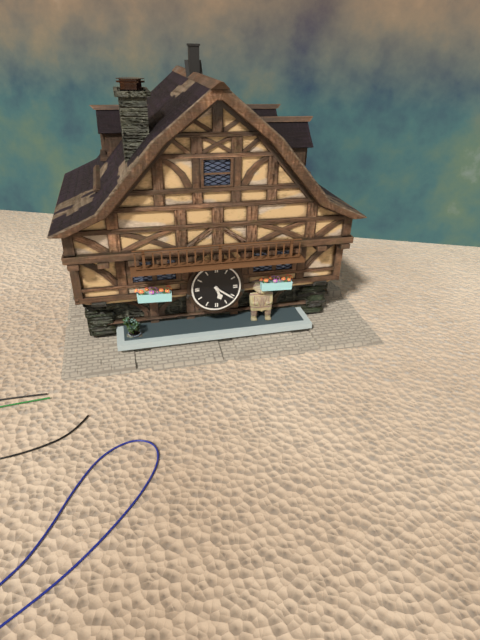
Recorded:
5.21
